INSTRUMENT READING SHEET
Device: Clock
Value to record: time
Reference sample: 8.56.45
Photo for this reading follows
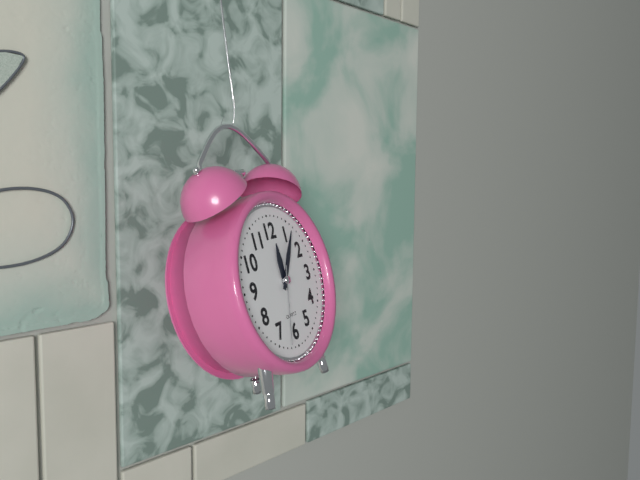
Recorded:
12.06.33
